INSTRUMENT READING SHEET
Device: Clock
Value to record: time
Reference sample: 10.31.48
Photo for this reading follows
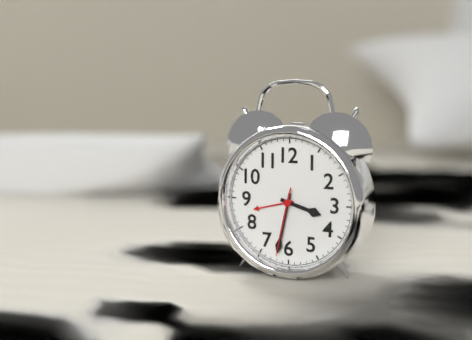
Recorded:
3.32.32
